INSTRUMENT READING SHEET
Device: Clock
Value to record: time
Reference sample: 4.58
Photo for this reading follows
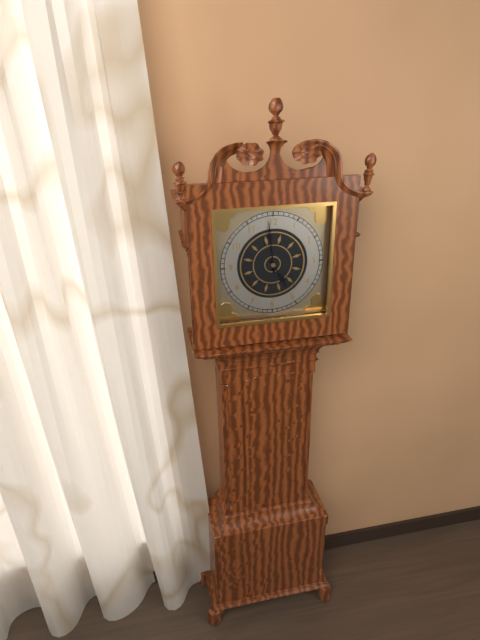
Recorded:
4.59
